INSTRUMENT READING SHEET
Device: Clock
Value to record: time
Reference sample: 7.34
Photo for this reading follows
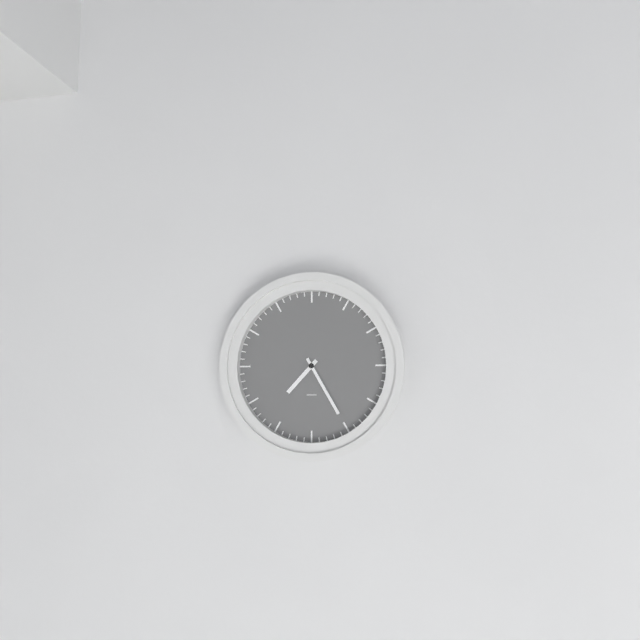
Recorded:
7.25
